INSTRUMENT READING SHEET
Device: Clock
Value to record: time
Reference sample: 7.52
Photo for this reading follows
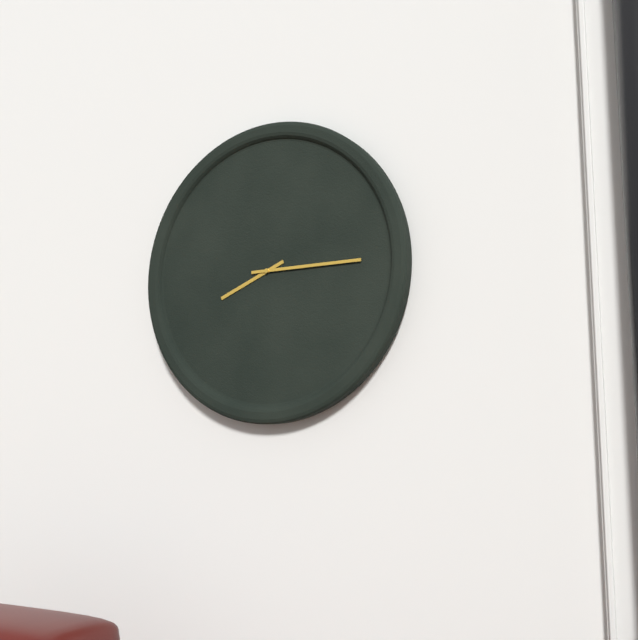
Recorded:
8.15
